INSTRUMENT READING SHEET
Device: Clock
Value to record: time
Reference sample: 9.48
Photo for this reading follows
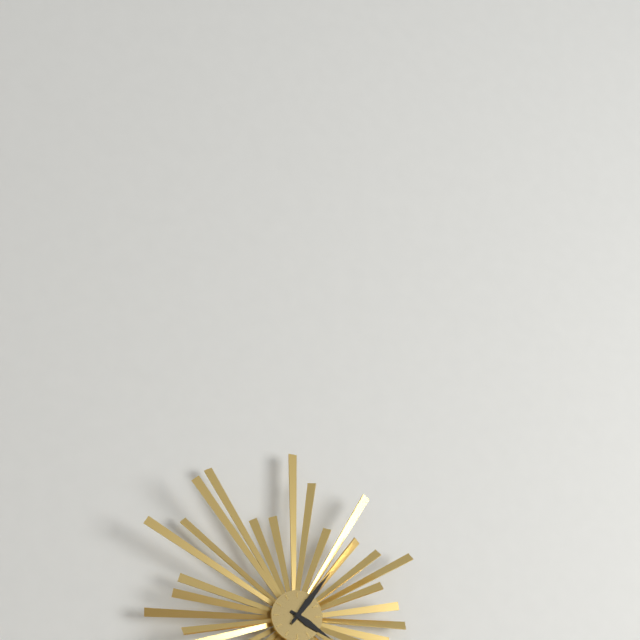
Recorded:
4.06
